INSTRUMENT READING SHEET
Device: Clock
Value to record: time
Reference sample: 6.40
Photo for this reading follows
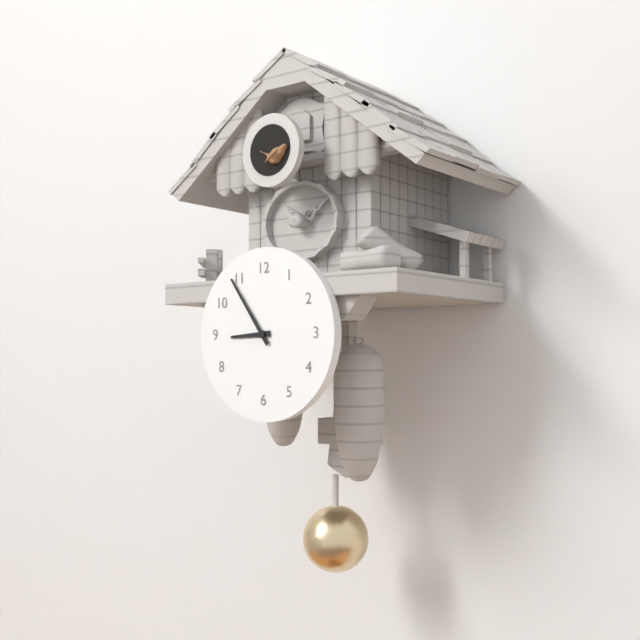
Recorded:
8.54
